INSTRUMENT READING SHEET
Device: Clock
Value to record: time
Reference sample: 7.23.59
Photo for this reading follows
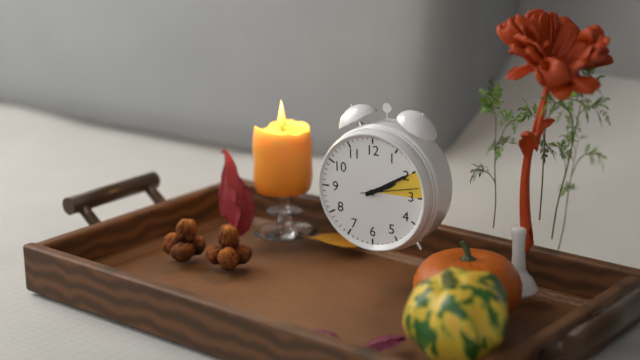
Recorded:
2.10.13
